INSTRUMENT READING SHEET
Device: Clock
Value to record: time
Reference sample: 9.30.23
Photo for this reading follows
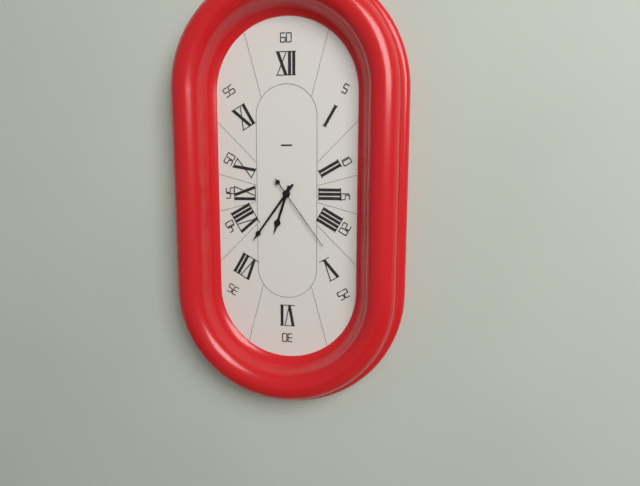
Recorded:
6.36.24
